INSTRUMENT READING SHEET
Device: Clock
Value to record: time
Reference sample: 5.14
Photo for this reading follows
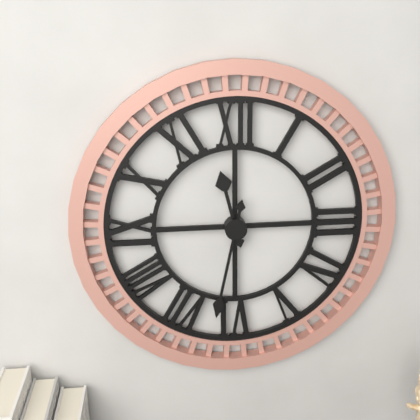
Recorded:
11.32
